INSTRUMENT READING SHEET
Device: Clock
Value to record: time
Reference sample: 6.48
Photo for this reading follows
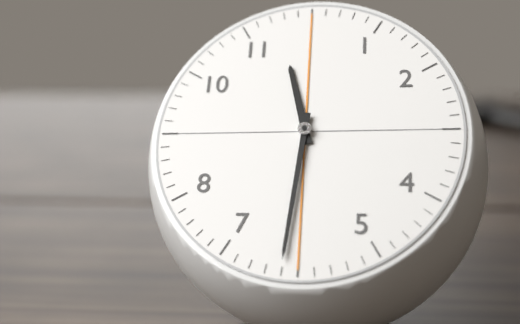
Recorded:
11.31
